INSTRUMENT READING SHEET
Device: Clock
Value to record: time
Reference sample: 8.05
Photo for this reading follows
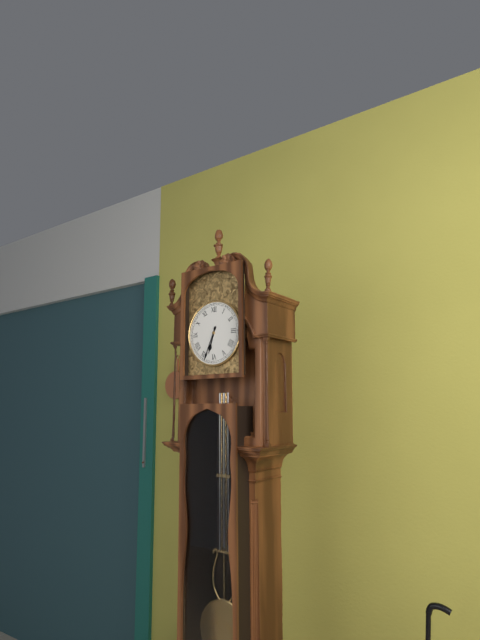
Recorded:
6.34
